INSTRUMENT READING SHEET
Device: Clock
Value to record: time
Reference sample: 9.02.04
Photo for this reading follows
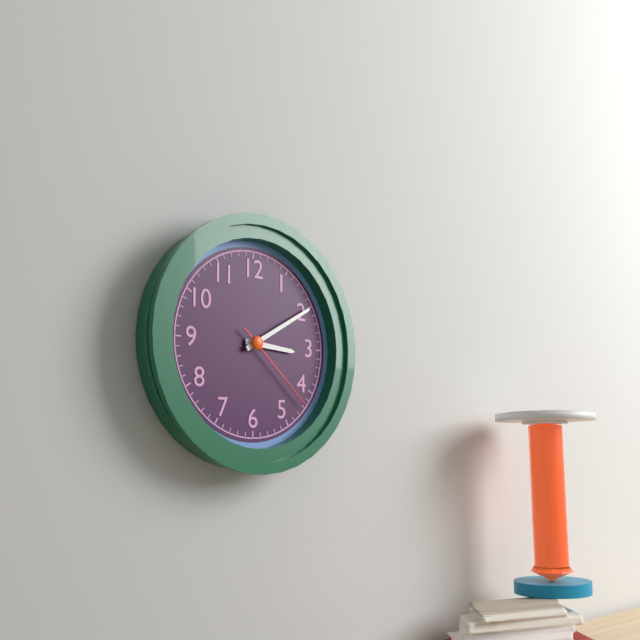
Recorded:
3.10.22
